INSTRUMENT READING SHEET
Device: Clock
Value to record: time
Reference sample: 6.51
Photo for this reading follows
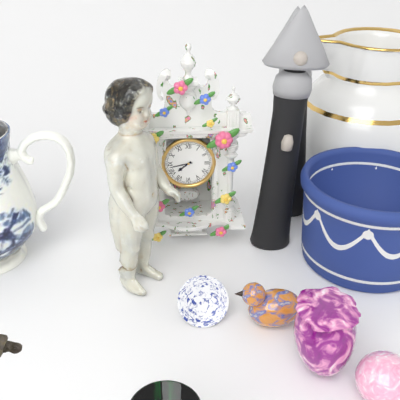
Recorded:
7.43
